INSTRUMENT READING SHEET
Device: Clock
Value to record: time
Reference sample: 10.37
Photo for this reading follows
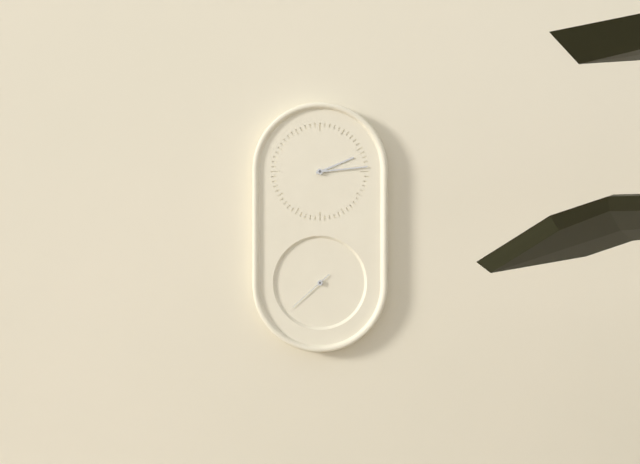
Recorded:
2.14
